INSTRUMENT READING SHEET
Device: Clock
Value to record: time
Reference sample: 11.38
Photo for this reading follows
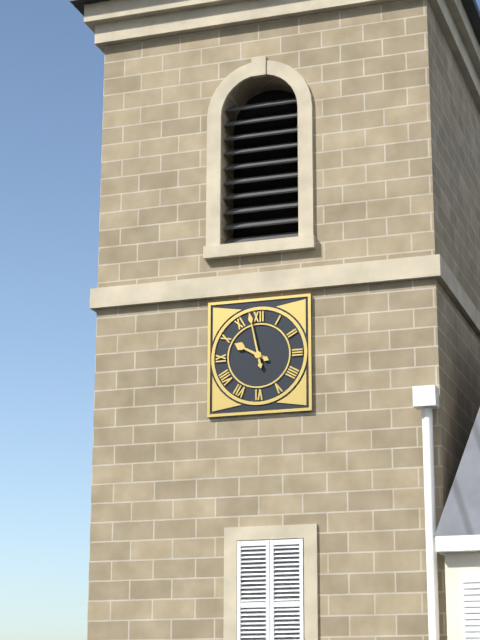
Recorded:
9.58
